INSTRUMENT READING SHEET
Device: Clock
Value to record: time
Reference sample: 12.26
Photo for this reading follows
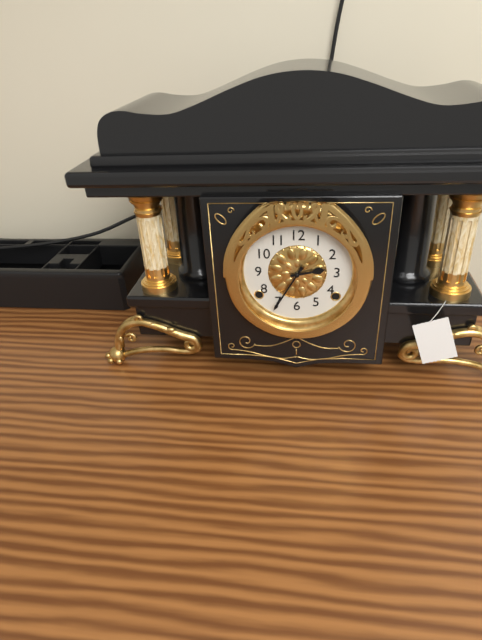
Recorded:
2.35
